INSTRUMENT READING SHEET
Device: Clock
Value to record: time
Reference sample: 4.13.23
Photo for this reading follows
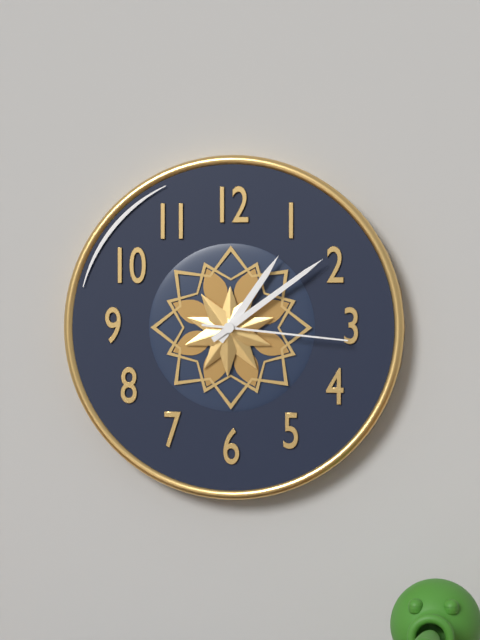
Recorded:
1.09.16
